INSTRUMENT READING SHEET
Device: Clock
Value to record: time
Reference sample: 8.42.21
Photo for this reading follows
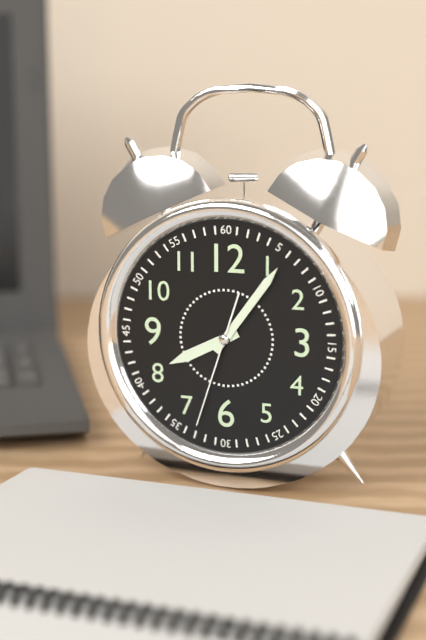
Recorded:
8.06.33
